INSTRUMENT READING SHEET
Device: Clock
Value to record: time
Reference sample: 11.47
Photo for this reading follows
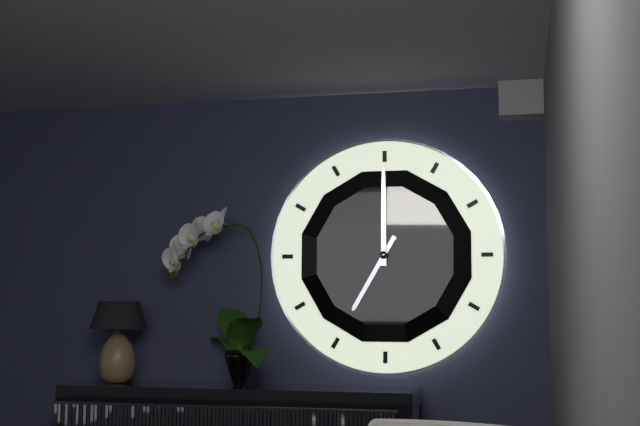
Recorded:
7.00
